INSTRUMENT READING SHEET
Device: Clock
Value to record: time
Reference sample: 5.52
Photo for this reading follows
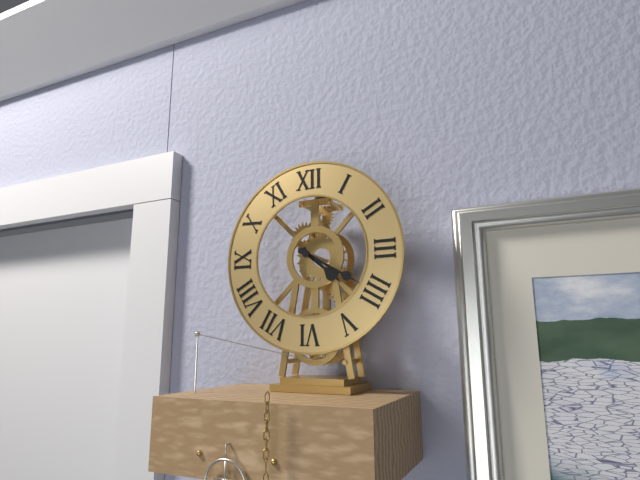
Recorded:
4.20
